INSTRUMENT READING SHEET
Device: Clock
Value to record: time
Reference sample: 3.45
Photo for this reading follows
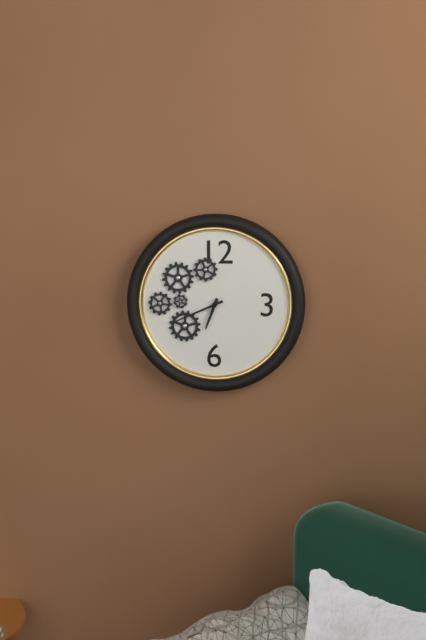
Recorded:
6.41
